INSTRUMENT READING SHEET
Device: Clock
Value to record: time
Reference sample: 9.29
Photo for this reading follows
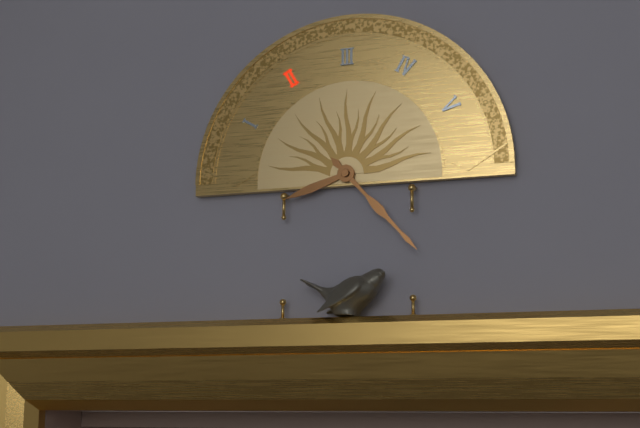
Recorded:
8.23
